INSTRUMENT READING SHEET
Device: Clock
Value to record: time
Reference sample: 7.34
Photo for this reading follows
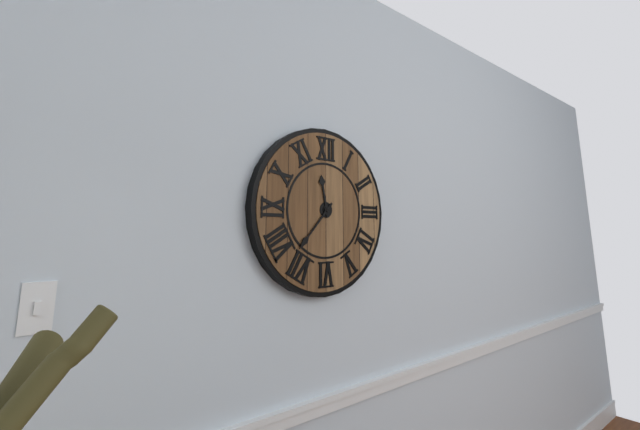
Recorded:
11.37
